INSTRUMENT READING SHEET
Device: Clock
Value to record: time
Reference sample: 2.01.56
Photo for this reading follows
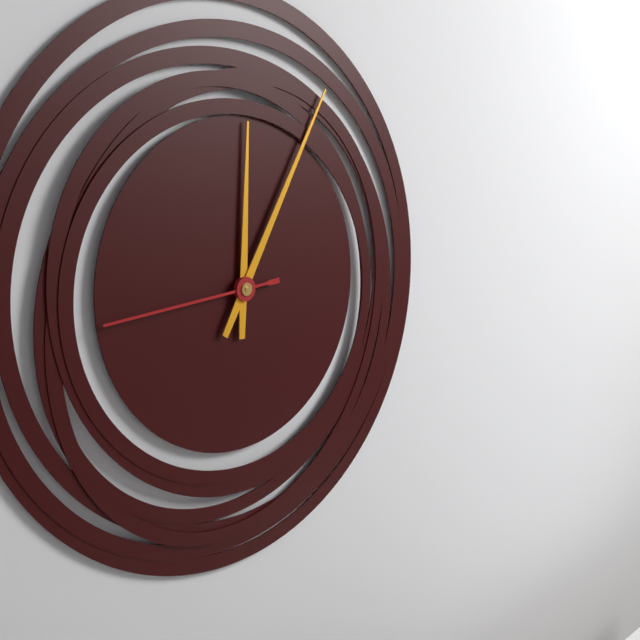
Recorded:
12.05.44
